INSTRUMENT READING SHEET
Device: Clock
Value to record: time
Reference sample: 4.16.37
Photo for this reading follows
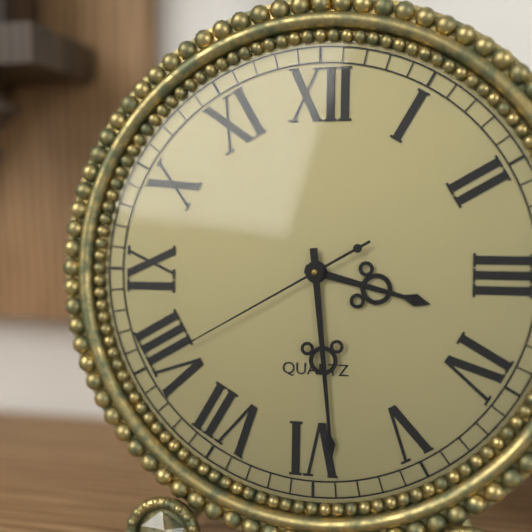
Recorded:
3.29.40
